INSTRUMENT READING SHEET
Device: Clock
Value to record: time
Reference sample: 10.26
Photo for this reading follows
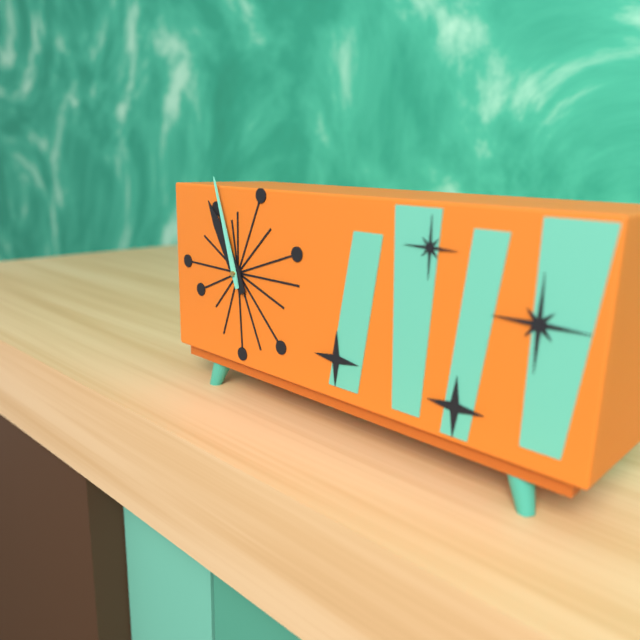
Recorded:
10.57
